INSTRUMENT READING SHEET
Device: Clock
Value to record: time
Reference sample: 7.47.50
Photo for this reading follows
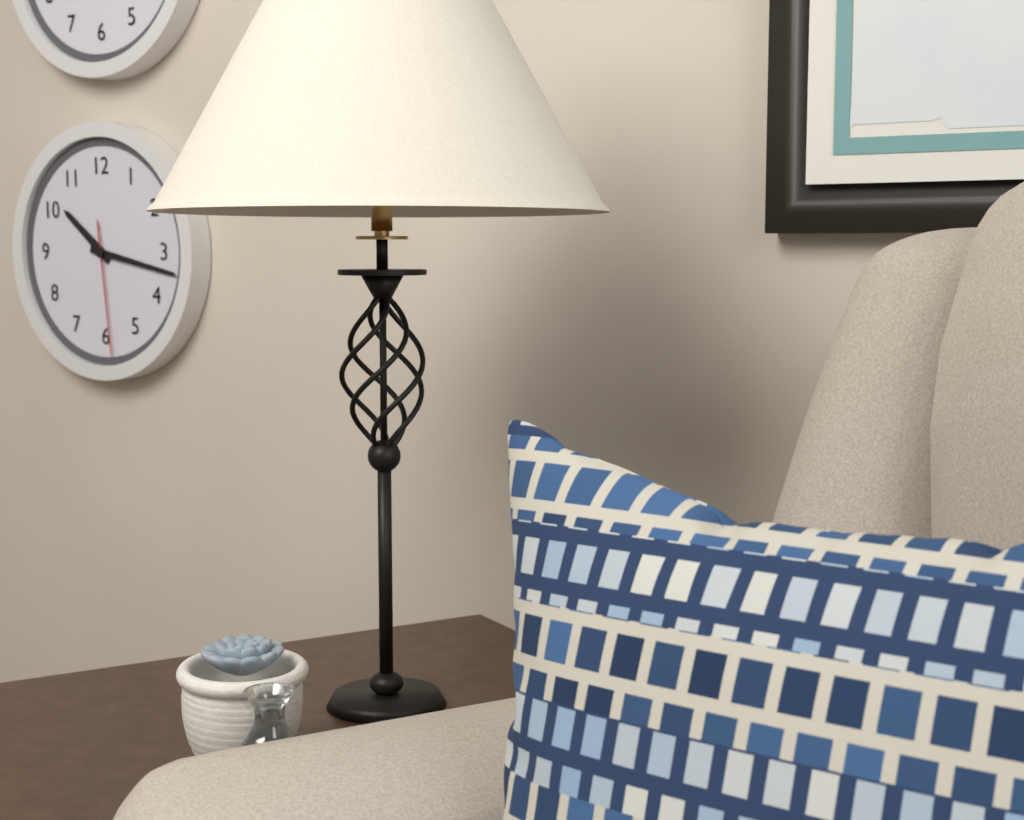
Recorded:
10.17.29
